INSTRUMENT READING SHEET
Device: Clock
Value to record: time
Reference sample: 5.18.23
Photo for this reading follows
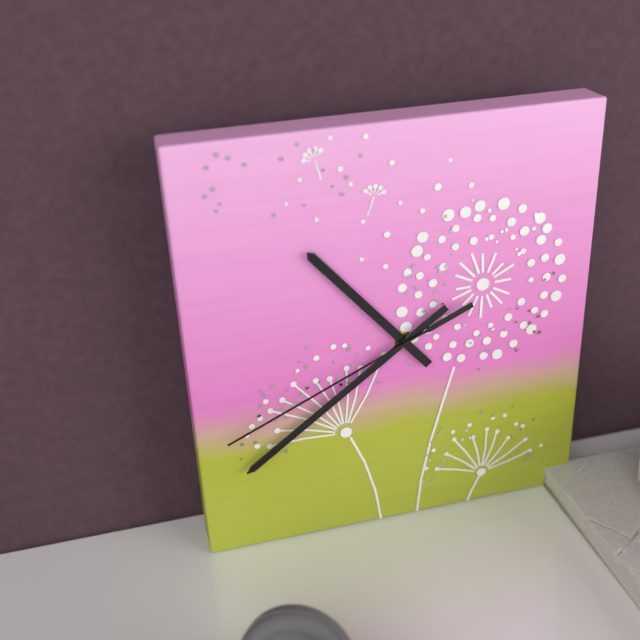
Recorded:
10.39.41
